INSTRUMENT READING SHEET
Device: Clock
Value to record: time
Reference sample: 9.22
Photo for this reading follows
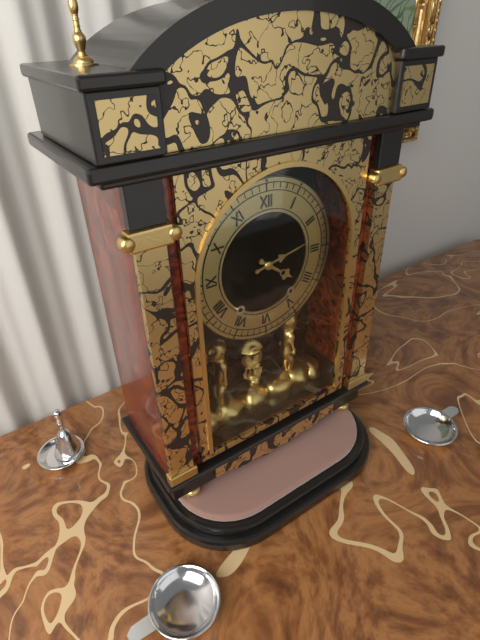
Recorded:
4.13
